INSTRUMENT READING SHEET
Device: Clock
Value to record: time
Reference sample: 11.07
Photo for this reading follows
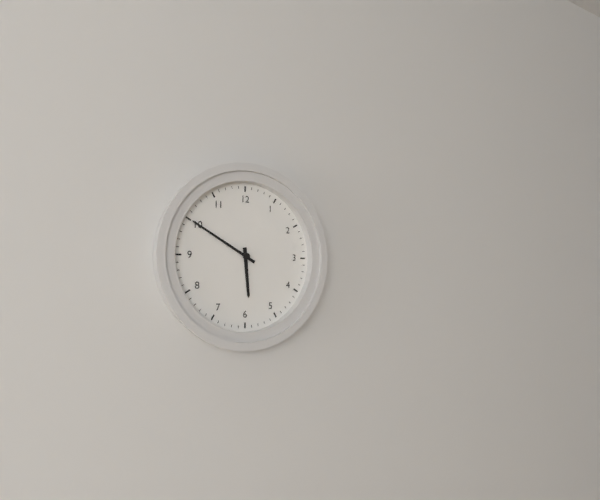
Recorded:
5.50
